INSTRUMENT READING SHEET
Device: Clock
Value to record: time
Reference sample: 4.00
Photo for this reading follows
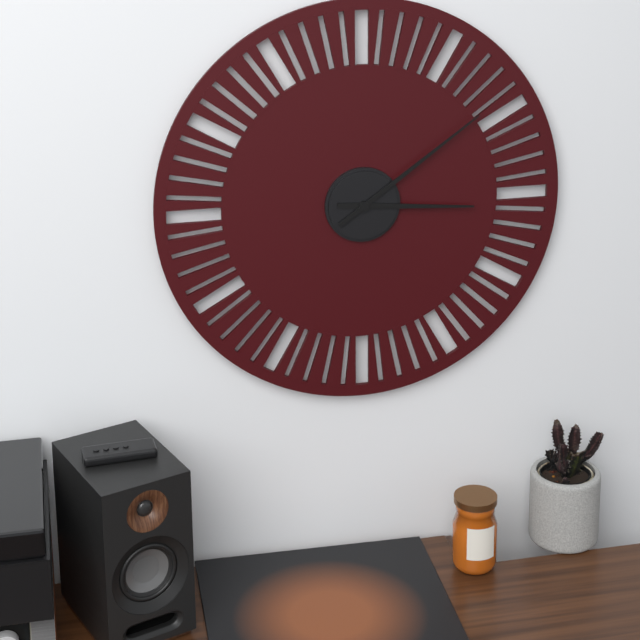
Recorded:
3.09
